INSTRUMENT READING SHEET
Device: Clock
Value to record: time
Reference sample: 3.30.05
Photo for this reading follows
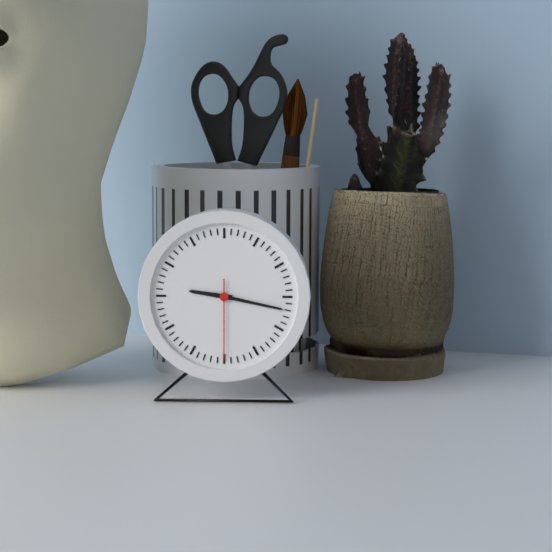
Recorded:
9.17.30
